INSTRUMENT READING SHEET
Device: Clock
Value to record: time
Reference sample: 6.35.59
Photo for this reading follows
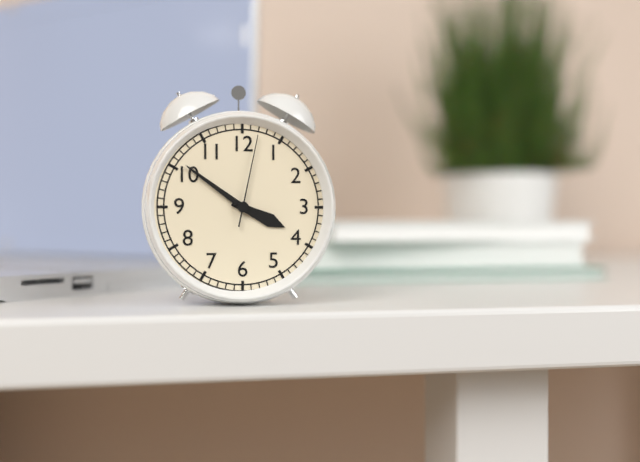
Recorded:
3.51.02
